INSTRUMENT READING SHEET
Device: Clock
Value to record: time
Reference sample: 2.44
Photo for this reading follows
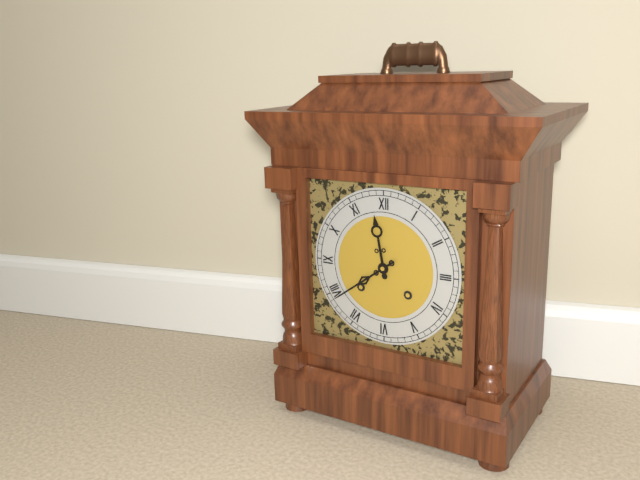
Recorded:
11.39
